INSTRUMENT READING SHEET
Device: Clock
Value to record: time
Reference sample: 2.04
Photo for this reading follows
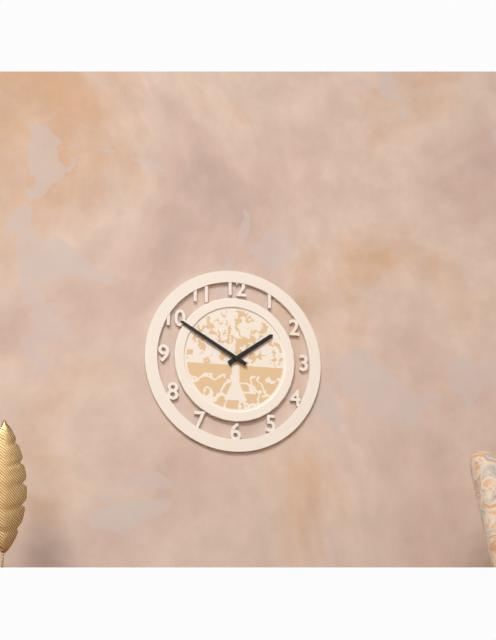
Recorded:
1.50
